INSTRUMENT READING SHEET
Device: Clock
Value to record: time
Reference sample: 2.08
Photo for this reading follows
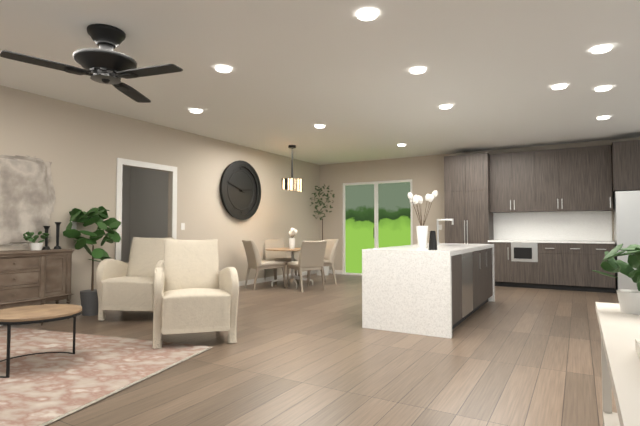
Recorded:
2.48
